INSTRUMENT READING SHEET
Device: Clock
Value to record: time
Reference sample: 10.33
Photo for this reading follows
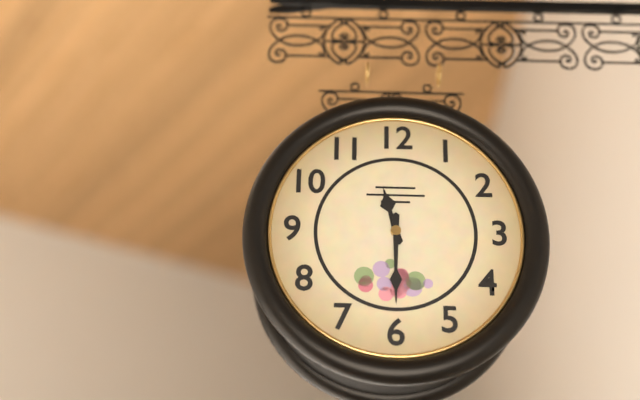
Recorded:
11.30
